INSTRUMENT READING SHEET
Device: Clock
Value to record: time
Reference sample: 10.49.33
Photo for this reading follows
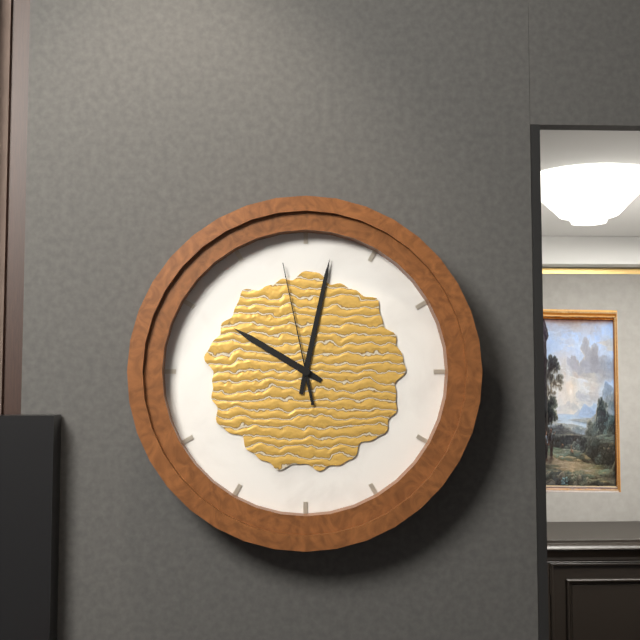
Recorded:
10.02.58
